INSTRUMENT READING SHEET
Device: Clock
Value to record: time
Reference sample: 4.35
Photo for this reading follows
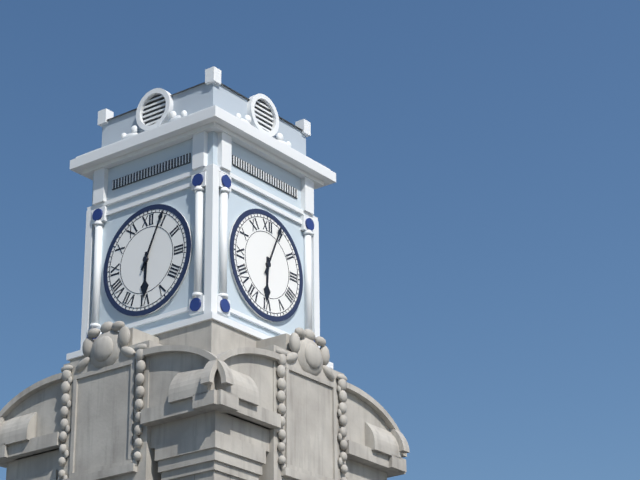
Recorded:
6.04
